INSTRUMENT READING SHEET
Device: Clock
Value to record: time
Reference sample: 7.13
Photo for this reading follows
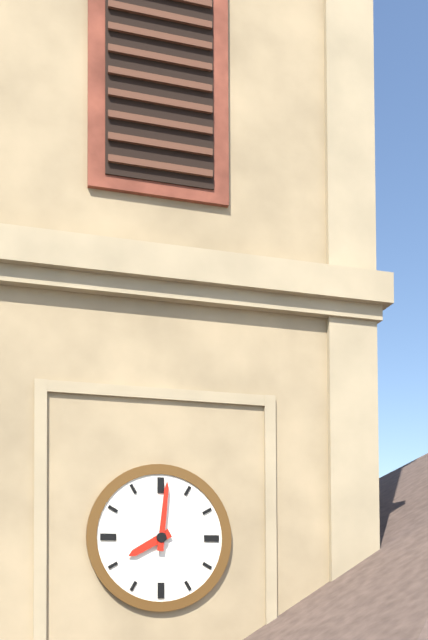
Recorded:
8.01
